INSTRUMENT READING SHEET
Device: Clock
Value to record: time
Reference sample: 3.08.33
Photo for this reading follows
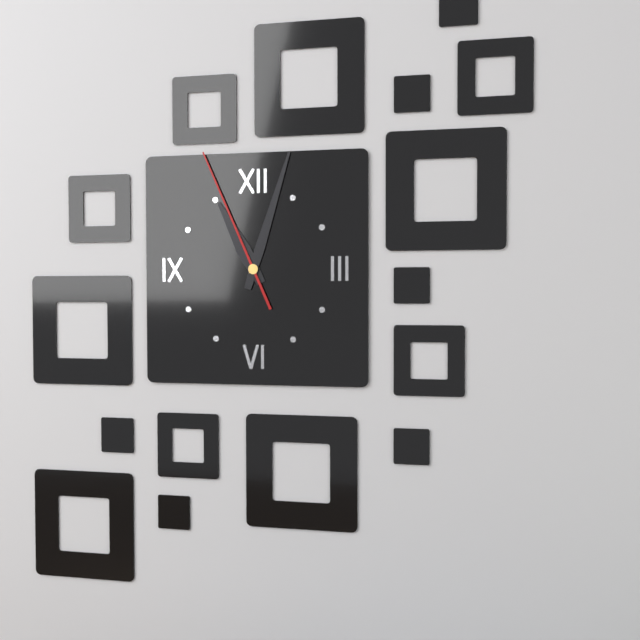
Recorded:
11.03.56
